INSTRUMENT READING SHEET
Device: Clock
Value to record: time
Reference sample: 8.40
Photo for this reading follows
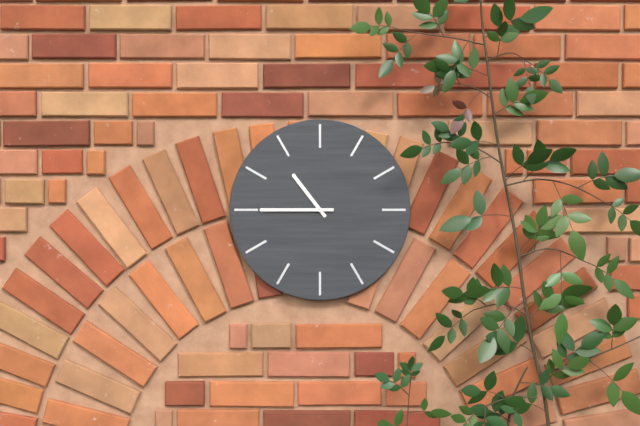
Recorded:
10.45
